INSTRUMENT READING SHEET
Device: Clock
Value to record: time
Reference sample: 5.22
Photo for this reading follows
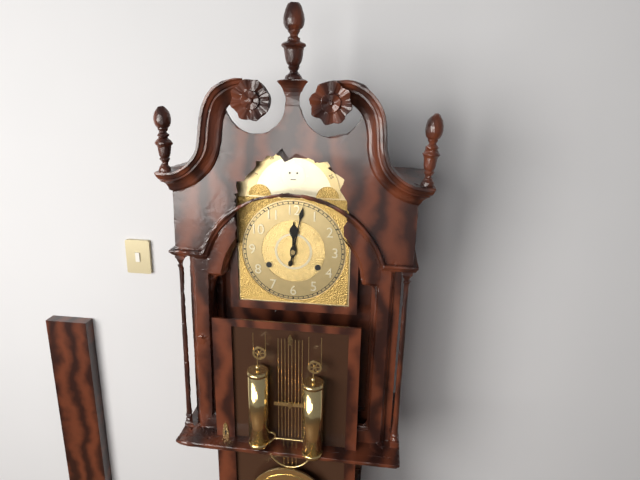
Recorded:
12.02
